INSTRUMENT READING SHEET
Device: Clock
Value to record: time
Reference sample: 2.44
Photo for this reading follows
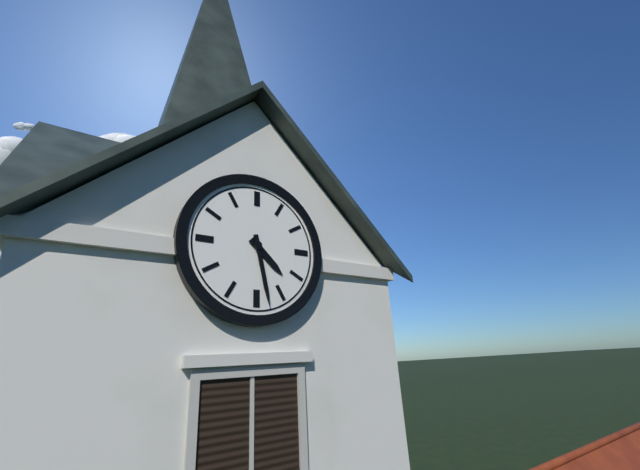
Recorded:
4.28
